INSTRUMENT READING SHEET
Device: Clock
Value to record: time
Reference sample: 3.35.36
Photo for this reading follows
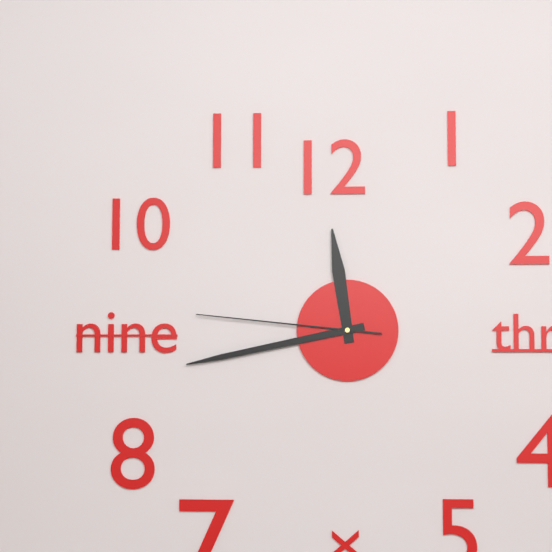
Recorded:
11.43.46
